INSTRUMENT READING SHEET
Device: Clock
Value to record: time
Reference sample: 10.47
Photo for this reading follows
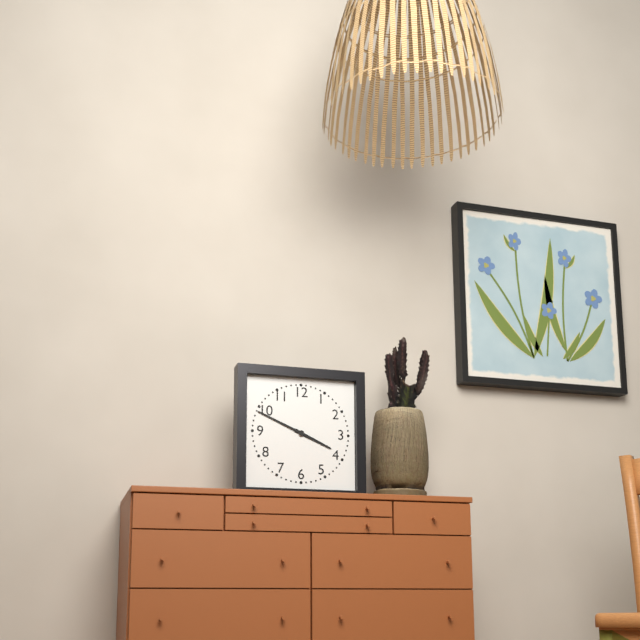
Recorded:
3.49
